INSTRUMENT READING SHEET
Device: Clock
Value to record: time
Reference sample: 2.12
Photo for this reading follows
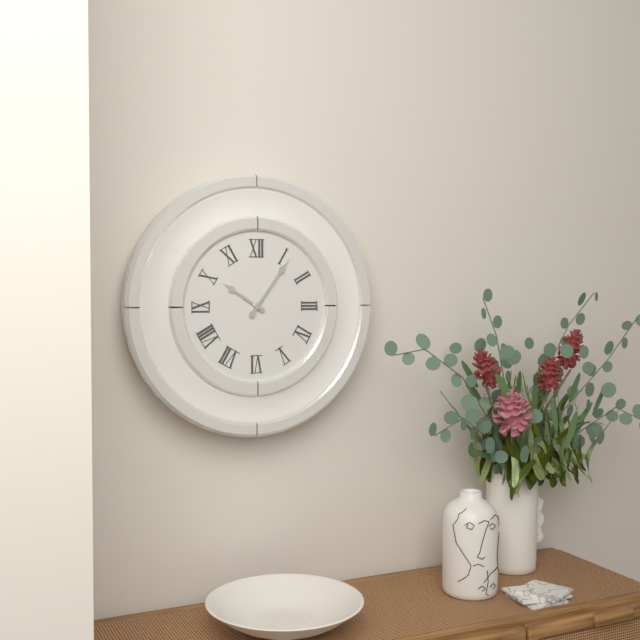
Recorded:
10.06
